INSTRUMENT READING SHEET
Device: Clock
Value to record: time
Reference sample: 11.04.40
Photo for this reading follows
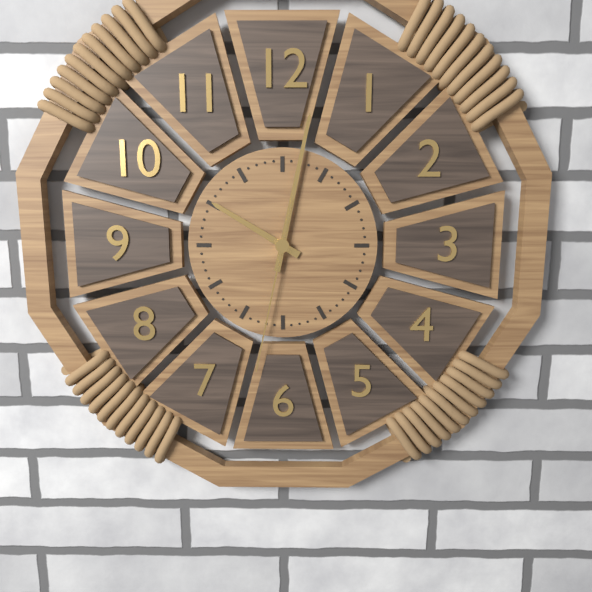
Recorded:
10.02.32
